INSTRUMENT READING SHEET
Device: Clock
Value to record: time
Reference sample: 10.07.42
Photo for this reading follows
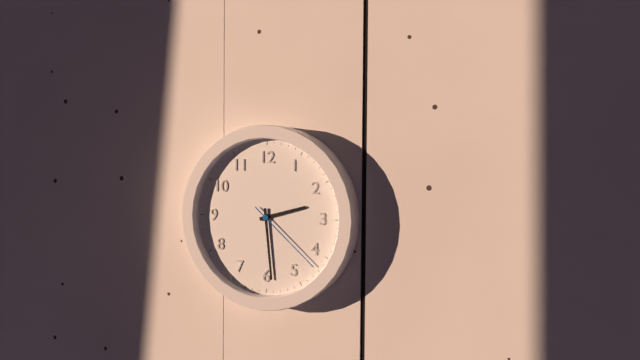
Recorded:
2.29.22
